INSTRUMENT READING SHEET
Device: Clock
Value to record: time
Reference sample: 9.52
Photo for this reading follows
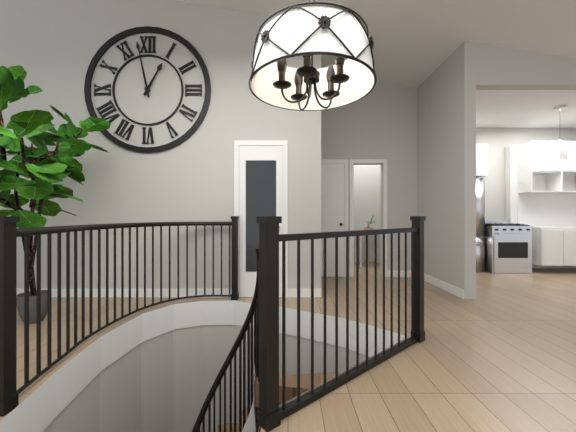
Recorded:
12.58
